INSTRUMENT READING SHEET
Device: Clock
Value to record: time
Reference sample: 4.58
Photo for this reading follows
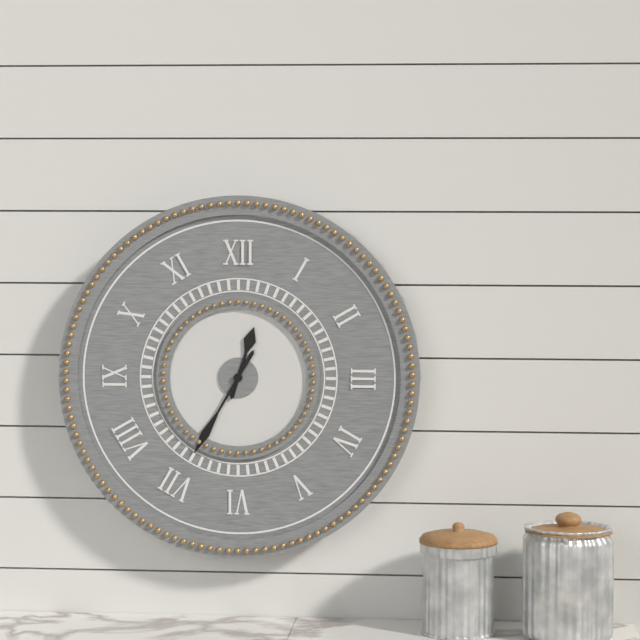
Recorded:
12.35
